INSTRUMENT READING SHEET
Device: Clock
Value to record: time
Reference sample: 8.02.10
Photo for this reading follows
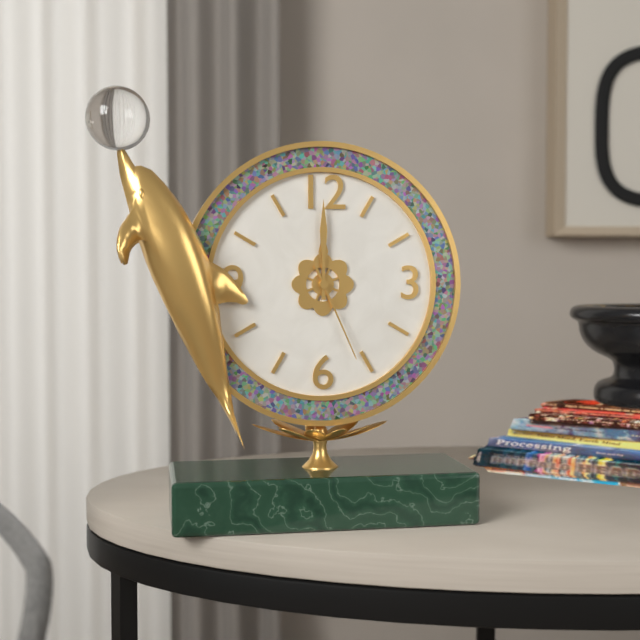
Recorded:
12.00.26
